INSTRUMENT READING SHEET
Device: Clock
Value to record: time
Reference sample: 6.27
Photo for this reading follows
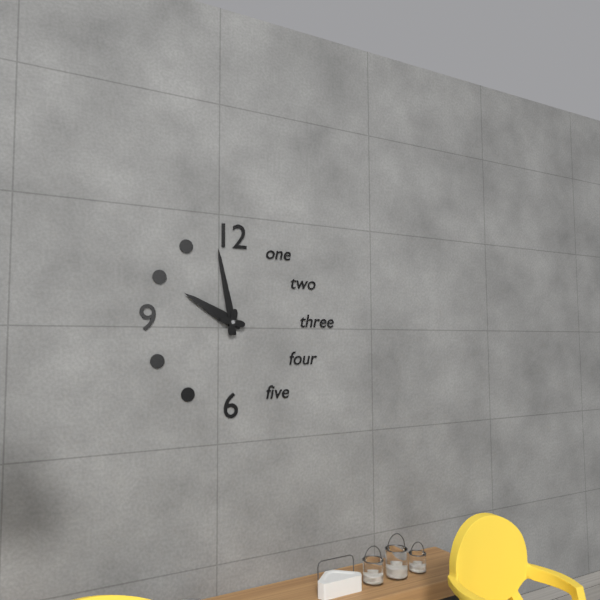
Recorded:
9.58
